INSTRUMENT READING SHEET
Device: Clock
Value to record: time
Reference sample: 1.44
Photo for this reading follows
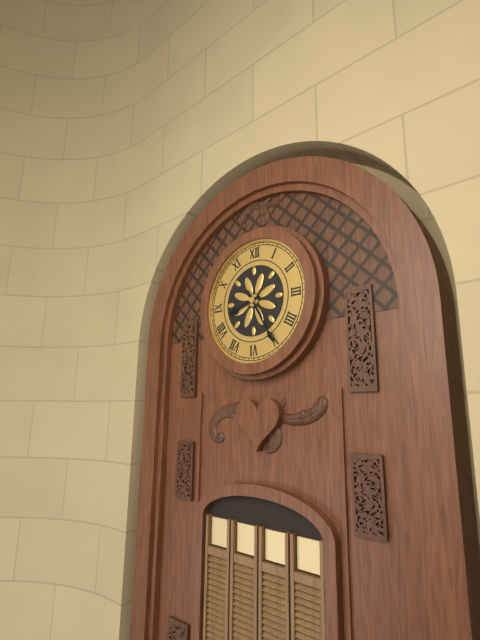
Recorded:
8.25
